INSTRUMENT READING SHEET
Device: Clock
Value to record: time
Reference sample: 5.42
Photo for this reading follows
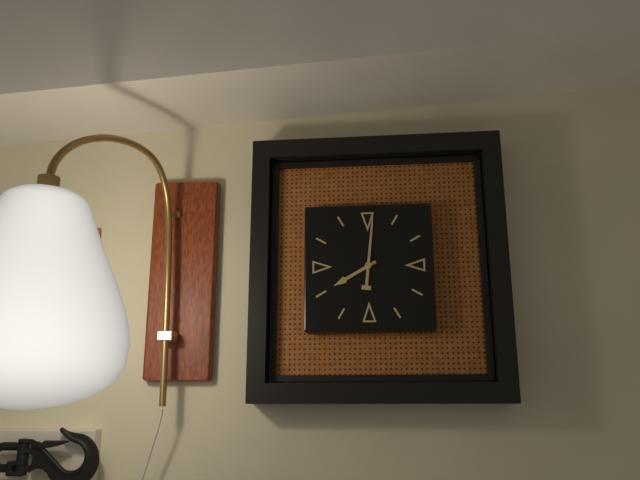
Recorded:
8.01
